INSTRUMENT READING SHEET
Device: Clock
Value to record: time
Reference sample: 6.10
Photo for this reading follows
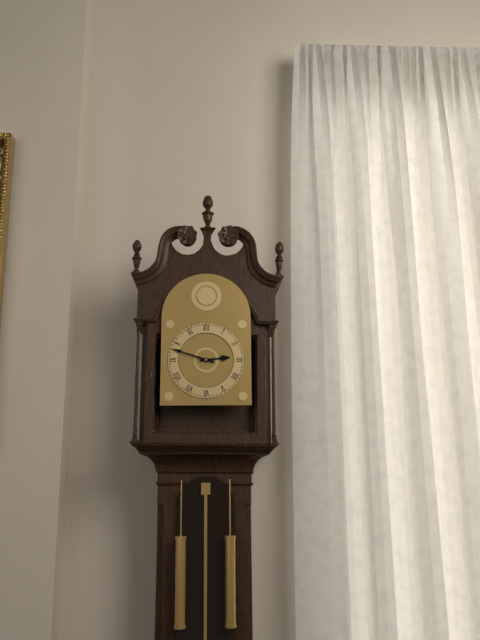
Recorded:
2.48
